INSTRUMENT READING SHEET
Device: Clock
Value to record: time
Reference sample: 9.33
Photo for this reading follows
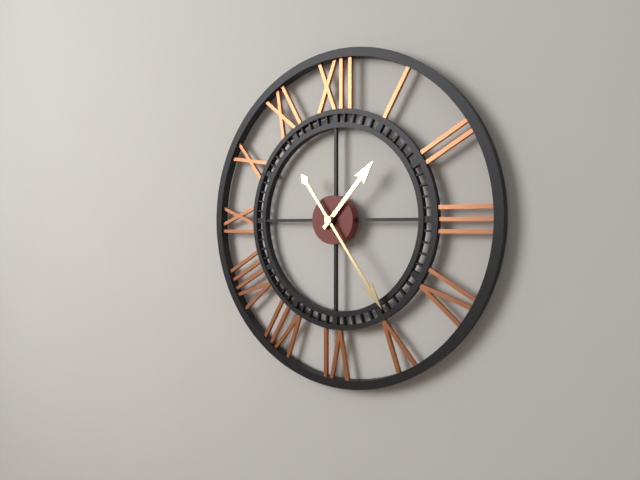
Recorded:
1.24
